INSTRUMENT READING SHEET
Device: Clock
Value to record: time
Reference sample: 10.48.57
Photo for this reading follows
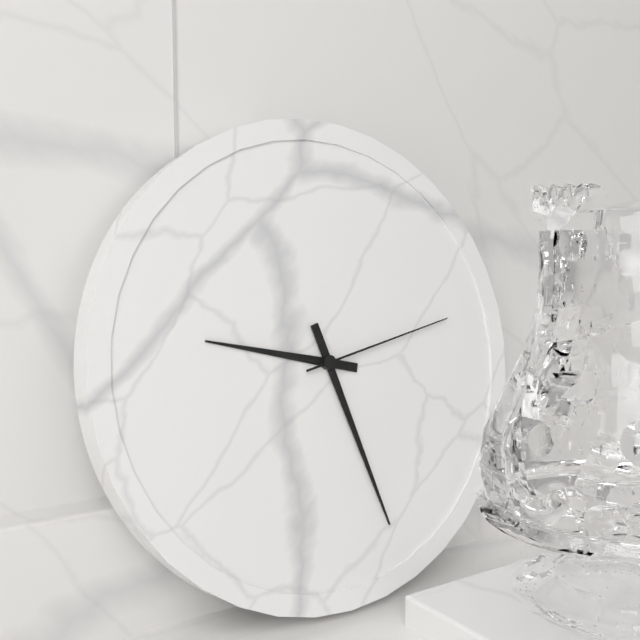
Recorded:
9.27.13
